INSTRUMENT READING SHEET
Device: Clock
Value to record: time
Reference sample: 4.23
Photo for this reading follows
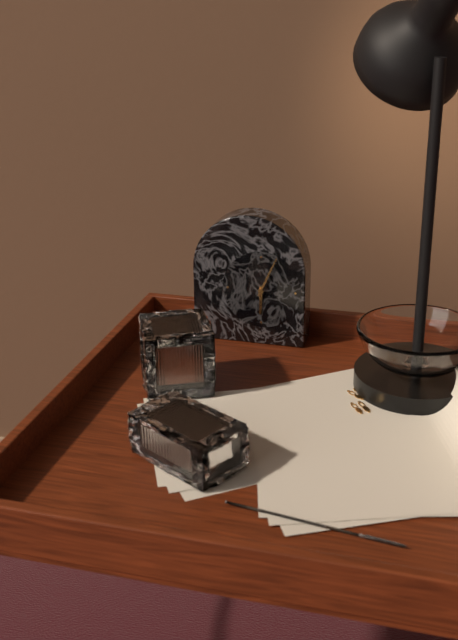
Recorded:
6.04
